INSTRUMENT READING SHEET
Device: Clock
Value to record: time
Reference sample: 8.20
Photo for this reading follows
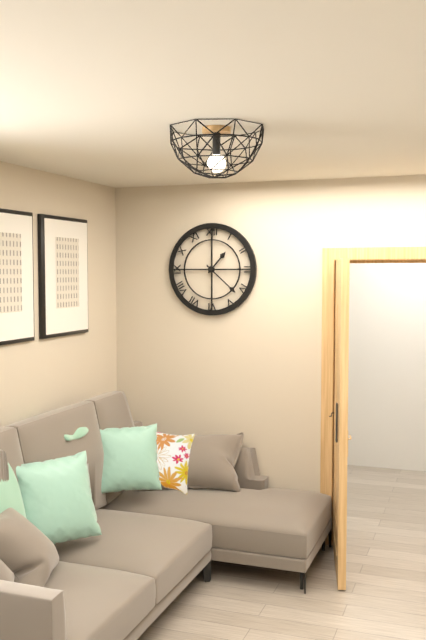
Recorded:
1.22
